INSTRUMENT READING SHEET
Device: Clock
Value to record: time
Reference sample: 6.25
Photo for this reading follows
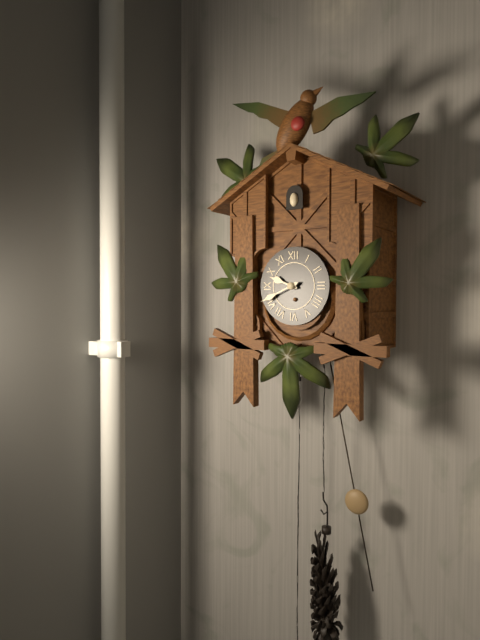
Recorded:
9.41
